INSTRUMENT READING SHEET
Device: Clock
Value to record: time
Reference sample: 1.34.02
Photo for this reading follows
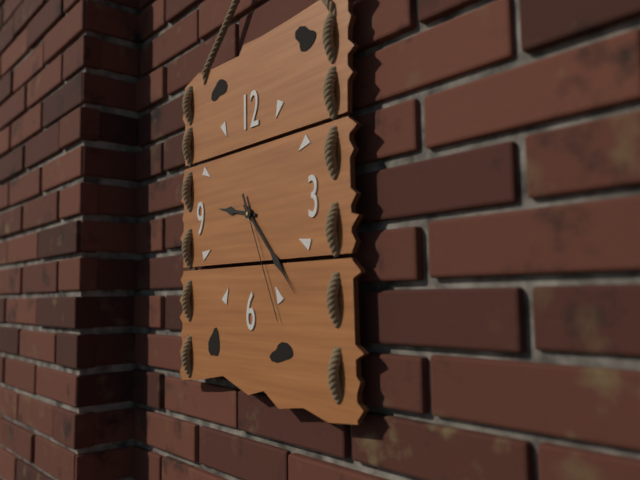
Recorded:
9.23.26
